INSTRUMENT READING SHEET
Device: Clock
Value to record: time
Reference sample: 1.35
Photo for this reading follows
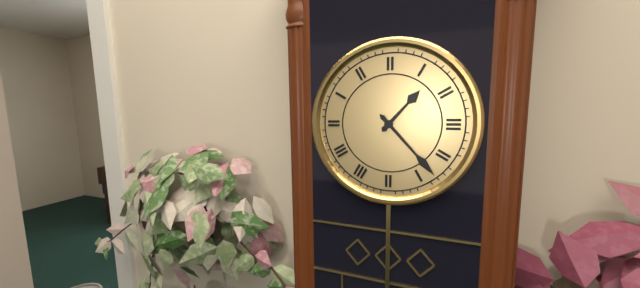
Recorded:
1.23
